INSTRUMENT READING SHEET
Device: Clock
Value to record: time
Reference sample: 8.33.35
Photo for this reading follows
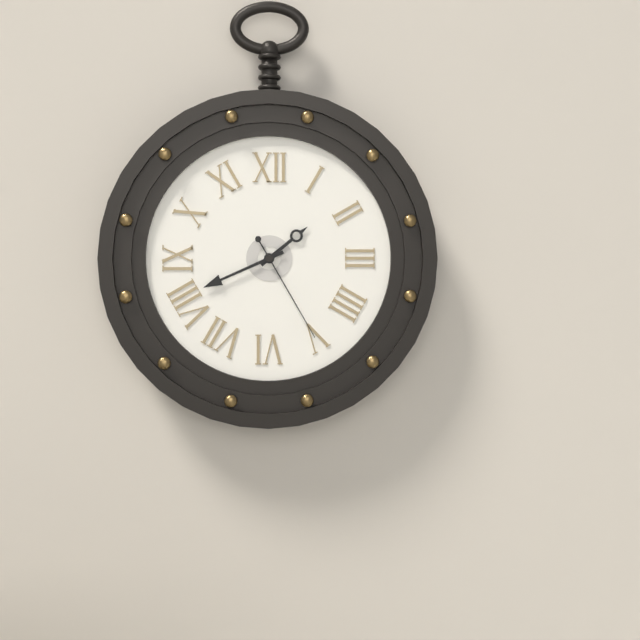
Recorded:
1.41.25
